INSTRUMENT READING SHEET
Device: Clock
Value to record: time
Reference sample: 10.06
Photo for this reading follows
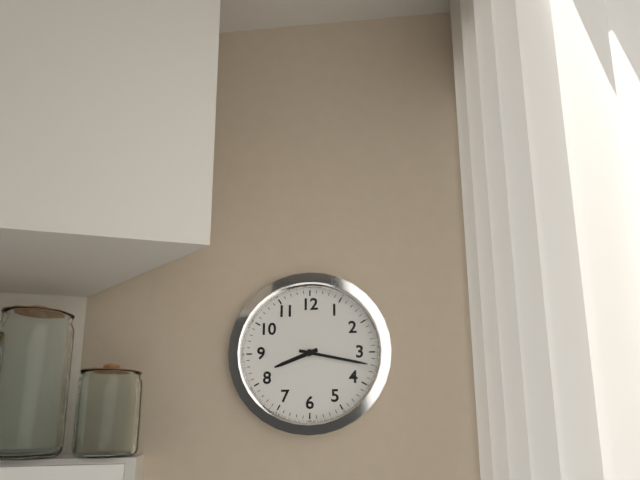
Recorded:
8.17
